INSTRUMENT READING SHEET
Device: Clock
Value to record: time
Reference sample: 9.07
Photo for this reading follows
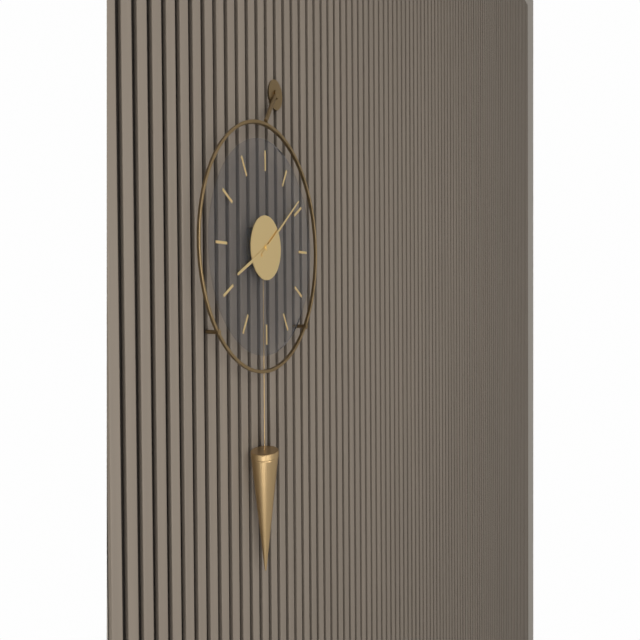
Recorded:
8.09
